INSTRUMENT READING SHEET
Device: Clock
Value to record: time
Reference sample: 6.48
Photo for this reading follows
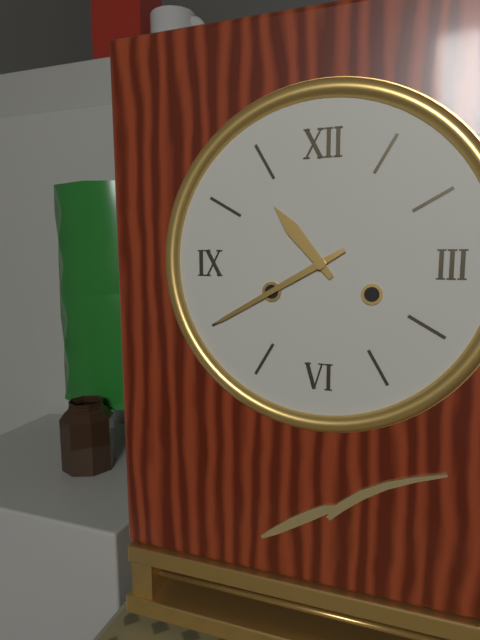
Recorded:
10.40
